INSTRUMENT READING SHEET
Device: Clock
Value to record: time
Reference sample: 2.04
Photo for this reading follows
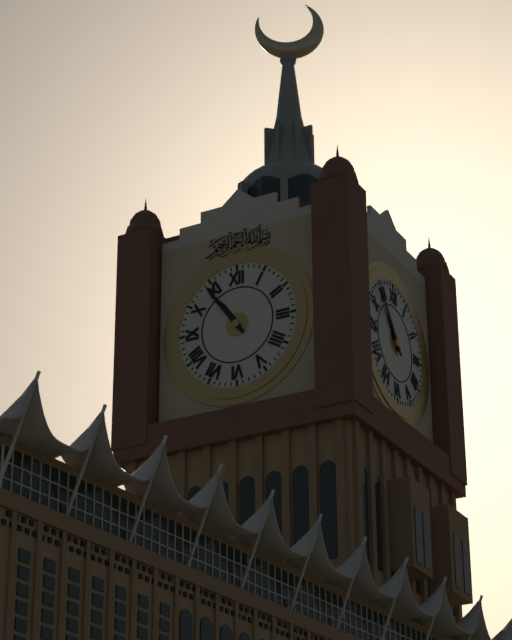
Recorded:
10.54
